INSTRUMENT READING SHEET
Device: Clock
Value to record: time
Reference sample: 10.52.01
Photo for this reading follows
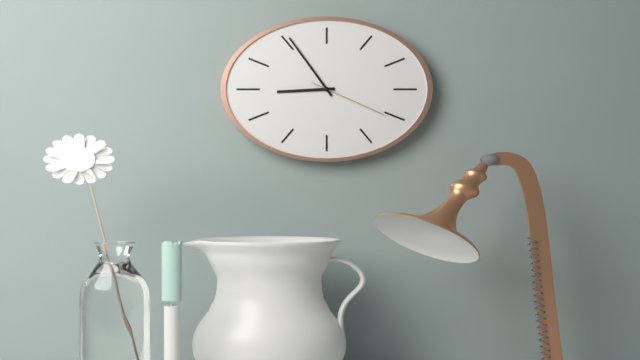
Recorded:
8.54.19
